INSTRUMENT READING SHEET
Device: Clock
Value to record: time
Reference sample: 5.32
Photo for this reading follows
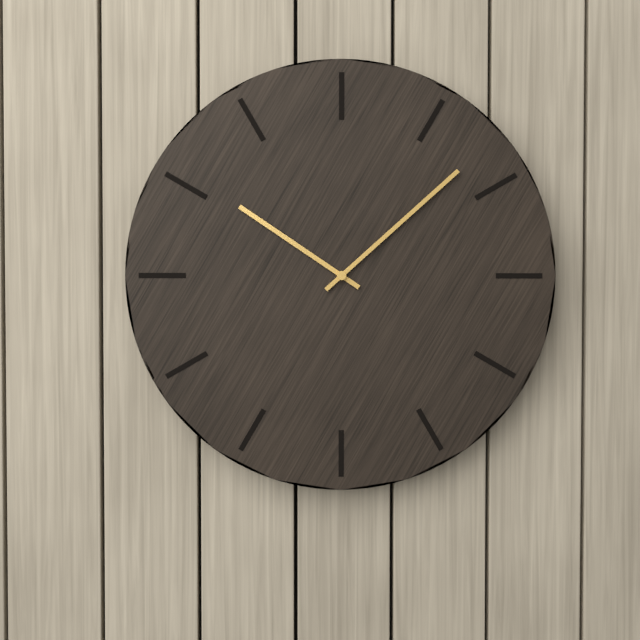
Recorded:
10.08
